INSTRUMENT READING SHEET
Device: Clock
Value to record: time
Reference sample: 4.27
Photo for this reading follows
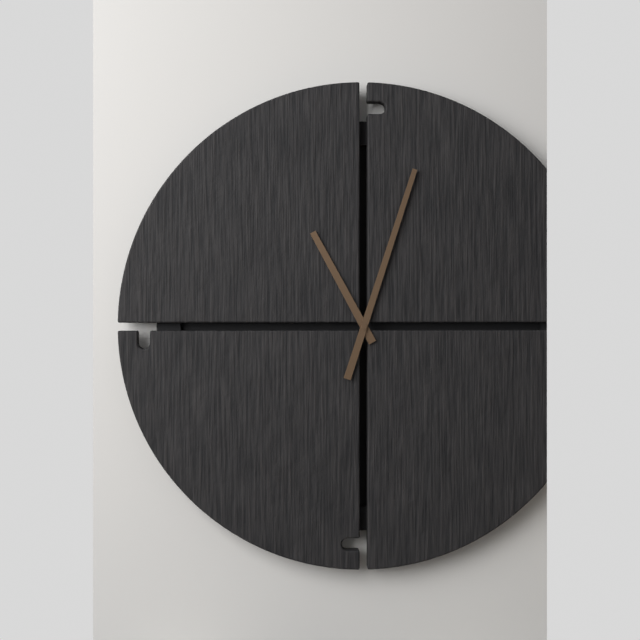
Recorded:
11.03
